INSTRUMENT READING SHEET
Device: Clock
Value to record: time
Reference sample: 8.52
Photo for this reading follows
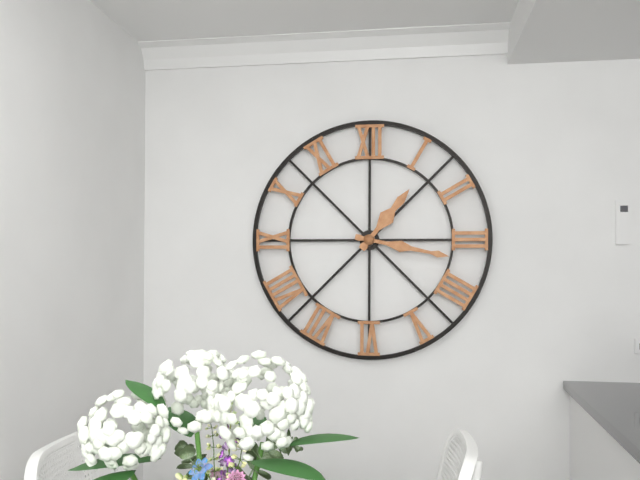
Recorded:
1.17
